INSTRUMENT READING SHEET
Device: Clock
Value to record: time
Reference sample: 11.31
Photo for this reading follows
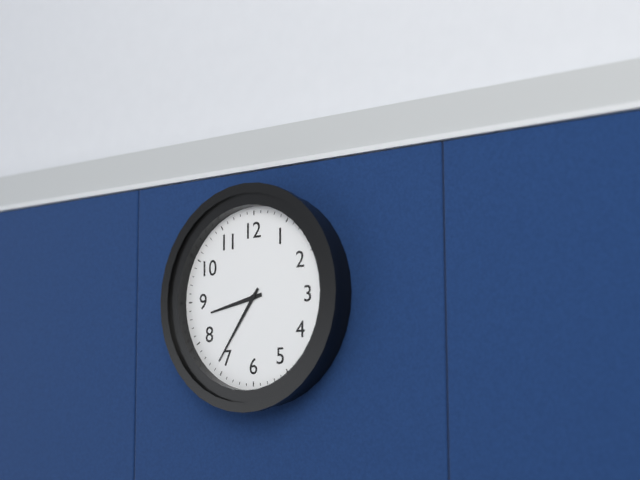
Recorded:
8.36
